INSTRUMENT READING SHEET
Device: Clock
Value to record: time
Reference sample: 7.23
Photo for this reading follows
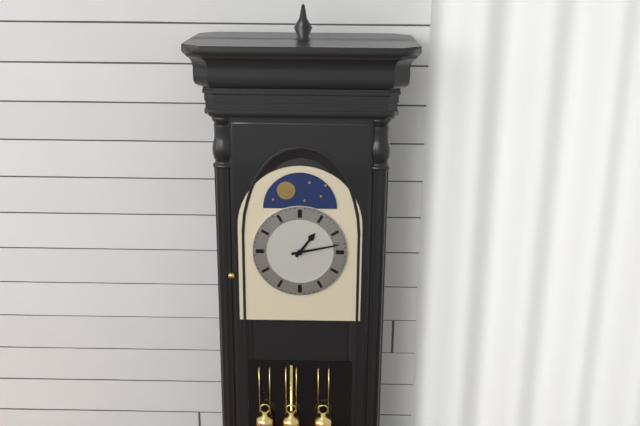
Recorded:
1.13
